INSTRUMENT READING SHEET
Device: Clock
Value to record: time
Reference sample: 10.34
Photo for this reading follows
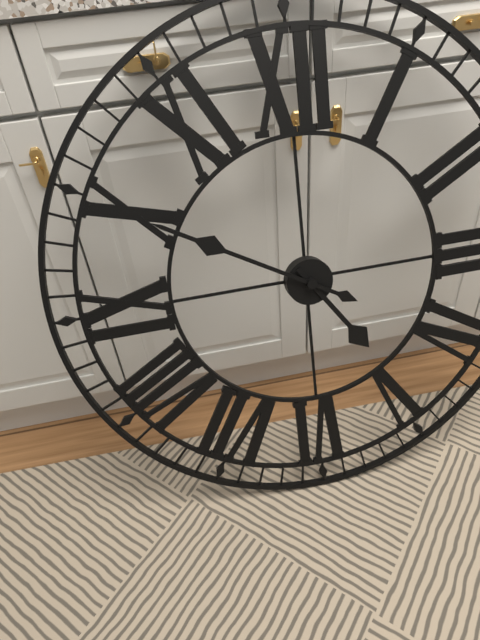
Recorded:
4.50
